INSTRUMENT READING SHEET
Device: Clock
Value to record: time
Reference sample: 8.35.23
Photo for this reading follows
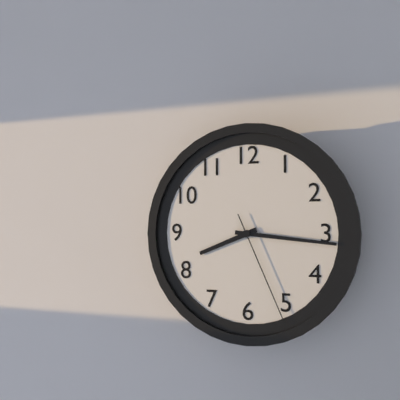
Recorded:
8.16.26
